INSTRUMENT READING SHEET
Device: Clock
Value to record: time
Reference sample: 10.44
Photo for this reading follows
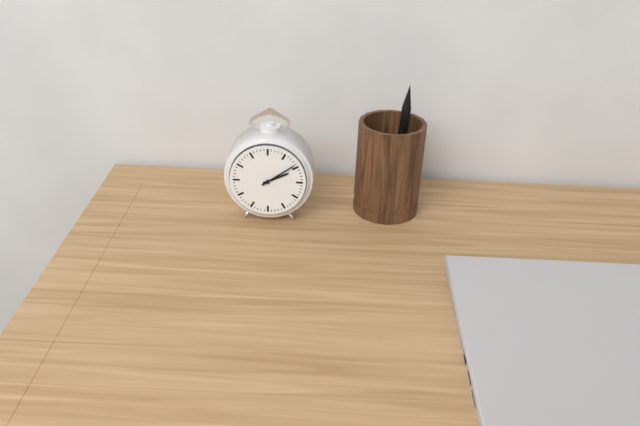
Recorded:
2.09
